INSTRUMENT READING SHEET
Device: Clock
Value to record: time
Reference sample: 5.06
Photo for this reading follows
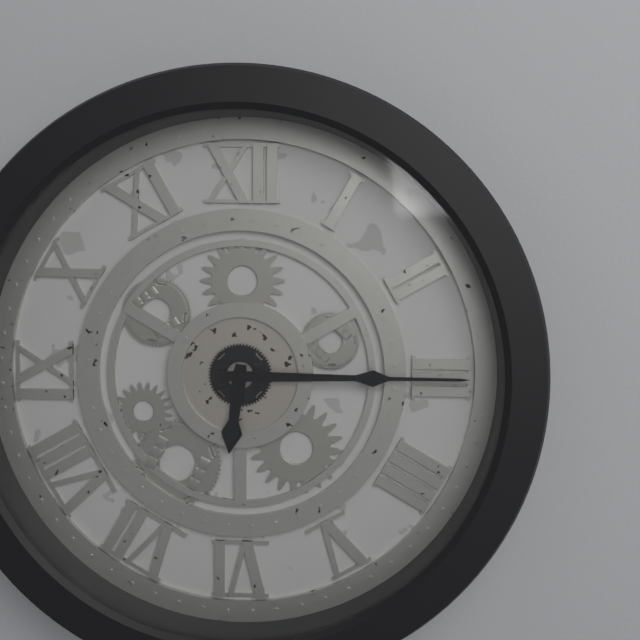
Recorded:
6.15
